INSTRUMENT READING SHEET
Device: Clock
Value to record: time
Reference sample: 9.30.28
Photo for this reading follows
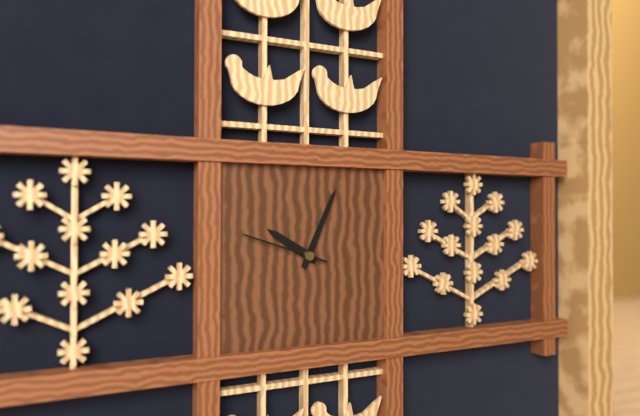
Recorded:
10.04.48
